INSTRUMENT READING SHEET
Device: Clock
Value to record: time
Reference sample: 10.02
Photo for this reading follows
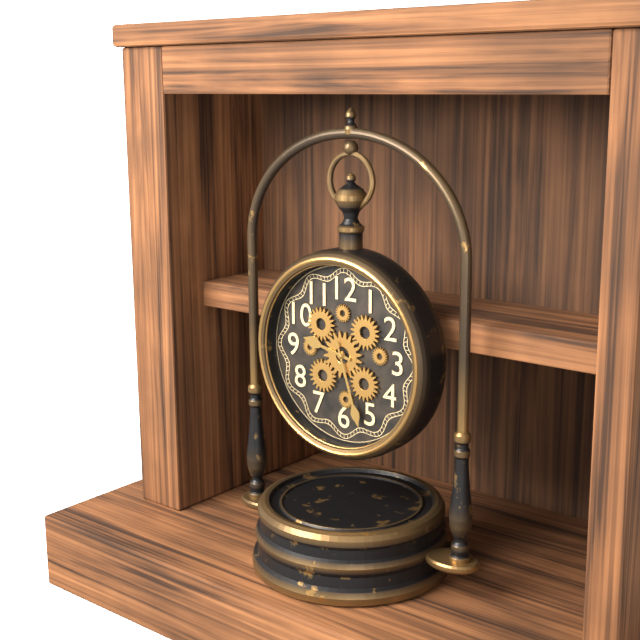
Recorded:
9.27
